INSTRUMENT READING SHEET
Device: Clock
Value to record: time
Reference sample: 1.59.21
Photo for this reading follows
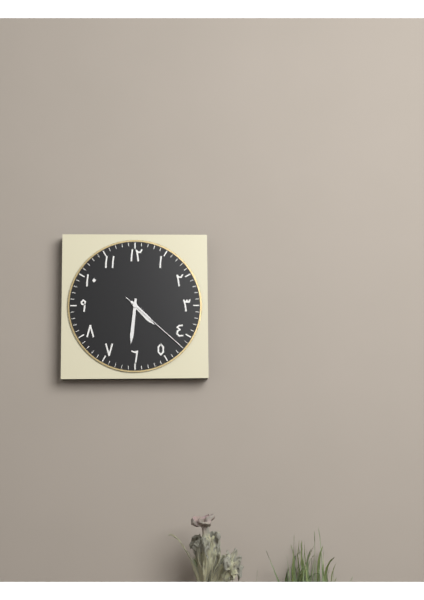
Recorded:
4.31.22
